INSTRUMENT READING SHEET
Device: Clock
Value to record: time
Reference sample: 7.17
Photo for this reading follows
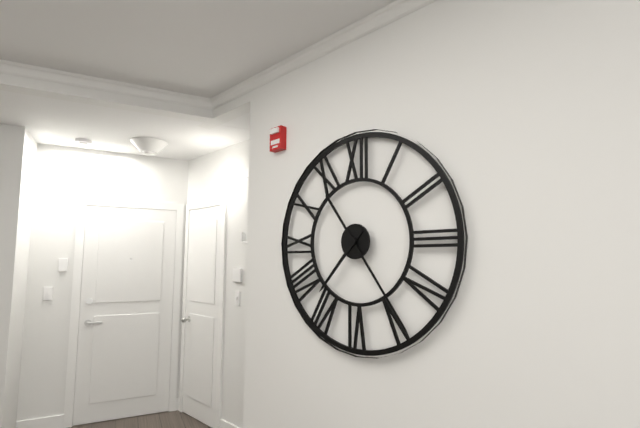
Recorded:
7.24
